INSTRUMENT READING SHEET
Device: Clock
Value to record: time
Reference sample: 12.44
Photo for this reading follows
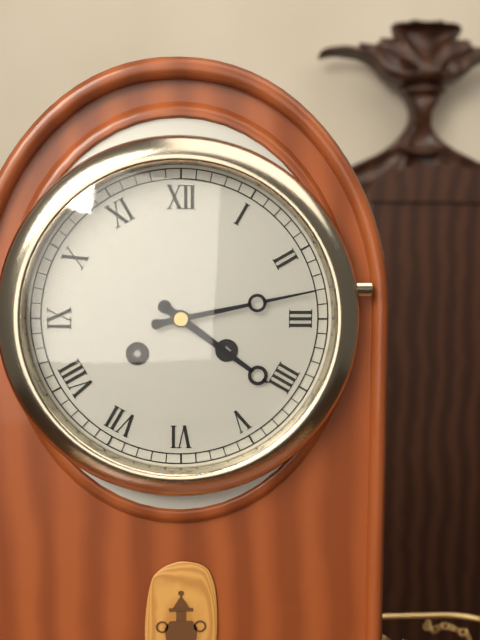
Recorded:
4.13
